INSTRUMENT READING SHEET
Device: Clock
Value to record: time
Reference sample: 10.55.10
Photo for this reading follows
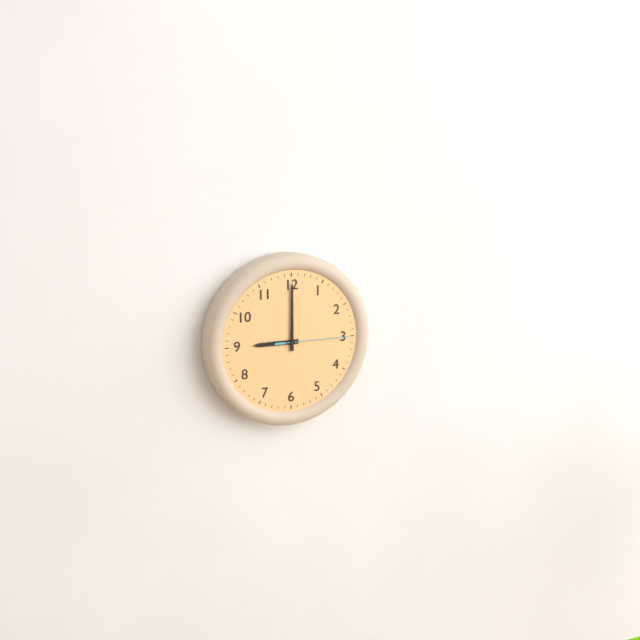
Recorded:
9.00.15
